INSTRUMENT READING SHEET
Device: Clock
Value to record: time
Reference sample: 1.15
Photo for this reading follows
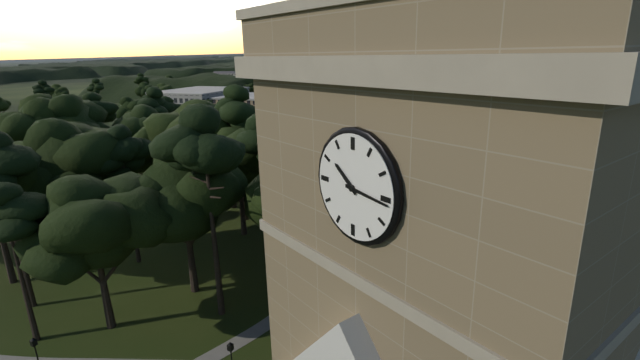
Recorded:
10.16
